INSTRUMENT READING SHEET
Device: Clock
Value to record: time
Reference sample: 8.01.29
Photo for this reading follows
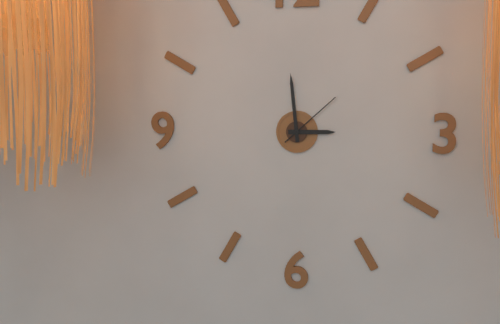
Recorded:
2.59.08
